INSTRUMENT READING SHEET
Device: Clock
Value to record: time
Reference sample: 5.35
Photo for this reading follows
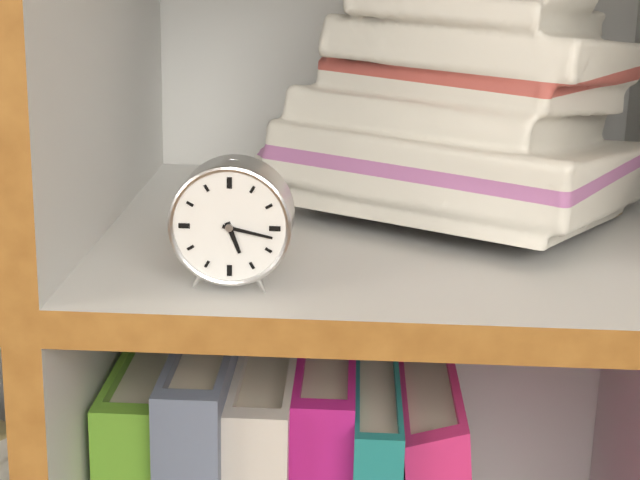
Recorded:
5.17
